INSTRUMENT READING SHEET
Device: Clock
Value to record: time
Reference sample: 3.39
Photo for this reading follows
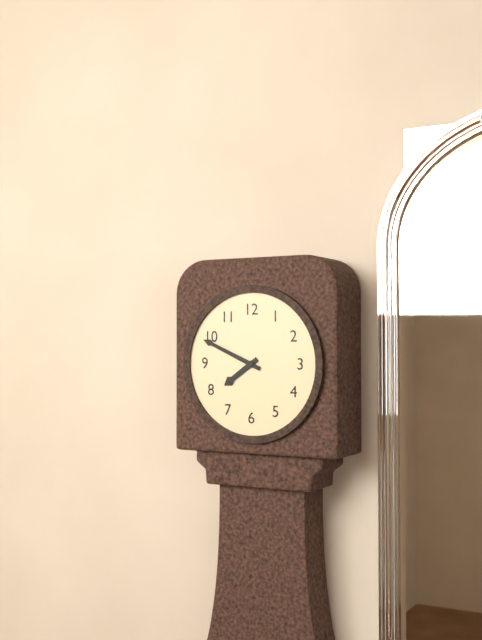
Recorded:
7.49
